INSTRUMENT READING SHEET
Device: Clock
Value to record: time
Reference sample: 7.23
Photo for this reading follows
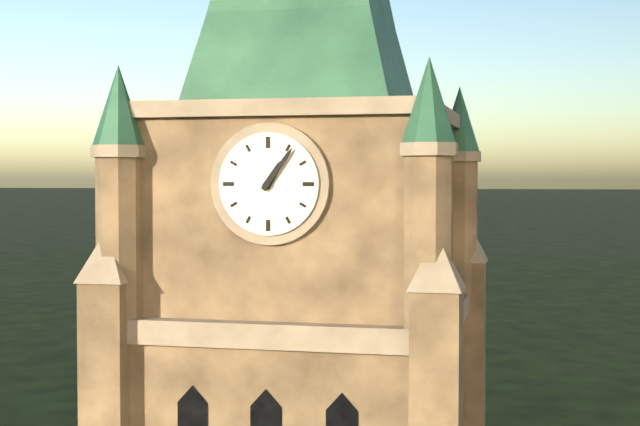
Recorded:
1.06
